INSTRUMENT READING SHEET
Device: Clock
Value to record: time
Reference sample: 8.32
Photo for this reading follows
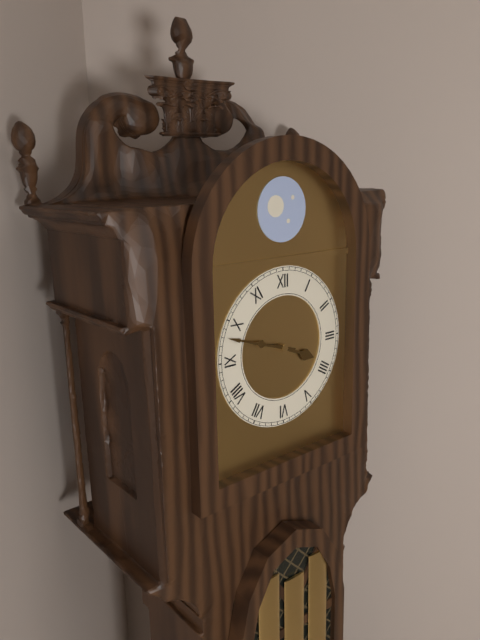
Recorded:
3.48
